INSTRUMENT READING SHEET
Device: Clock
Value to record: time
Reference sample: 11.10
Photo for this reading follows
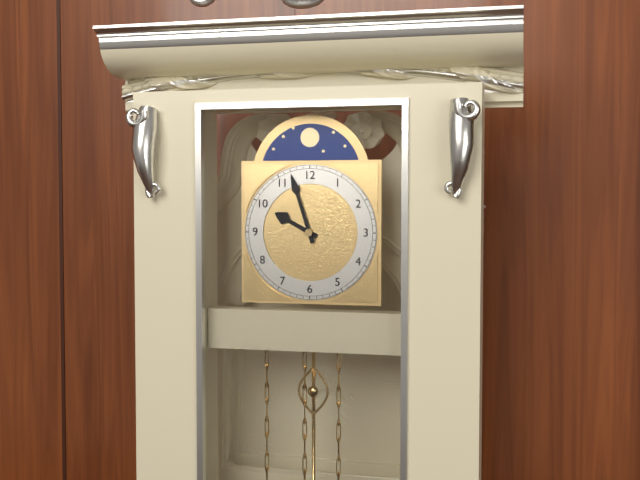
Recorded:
9.57
